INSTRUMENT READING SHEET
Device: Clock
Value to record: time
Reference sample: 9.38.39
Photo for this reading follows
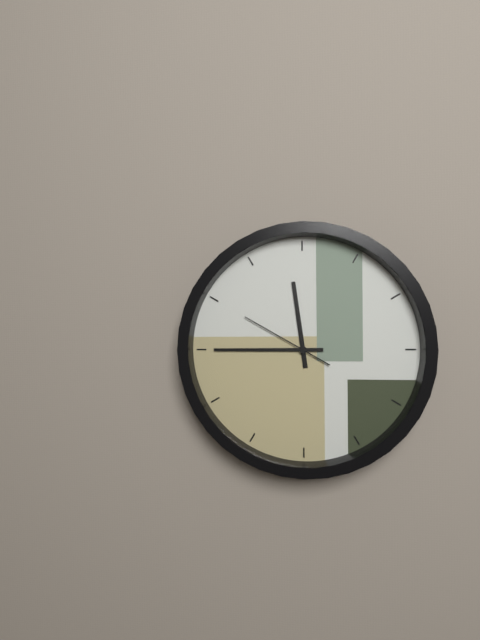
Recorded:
11.45.50
